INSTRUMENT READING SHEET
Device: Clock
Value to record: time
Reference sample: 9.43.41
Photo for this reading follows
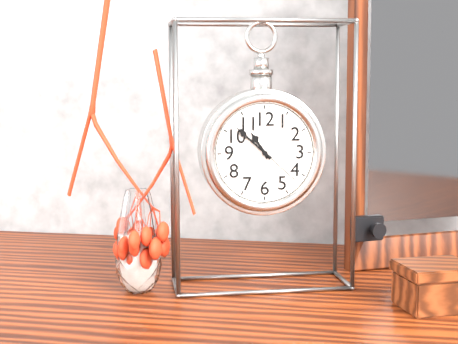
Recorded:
10.52.22
